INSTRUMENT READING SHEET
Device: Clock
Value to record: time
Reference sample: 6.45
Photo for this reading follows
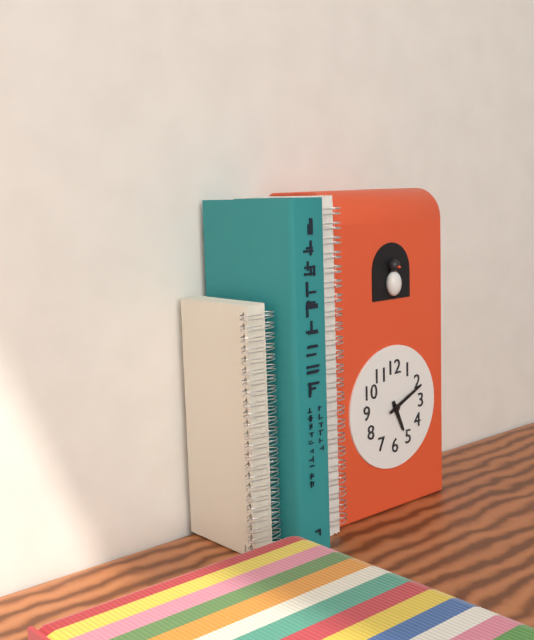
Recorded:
5.11
